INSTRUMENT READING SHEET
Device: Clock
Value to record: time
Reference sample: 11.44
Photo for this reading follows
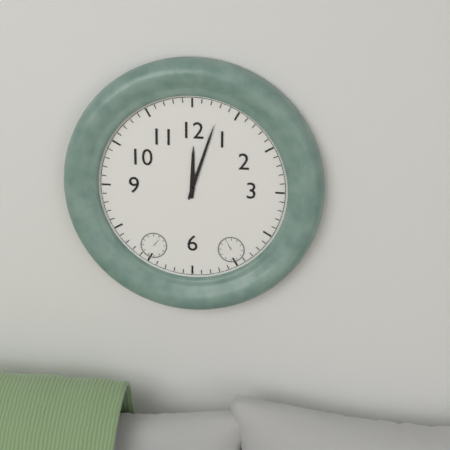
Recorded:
12.03
